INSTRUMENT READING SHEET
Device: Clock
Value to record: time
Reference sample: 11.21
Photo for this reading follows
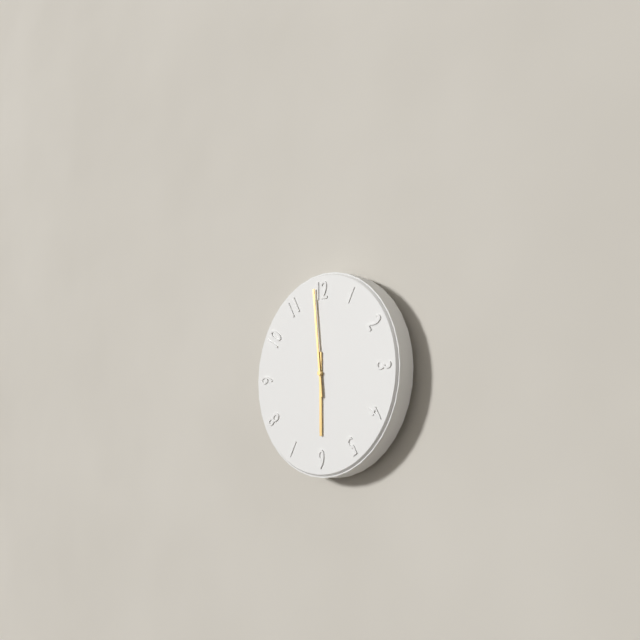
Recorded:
5.59
